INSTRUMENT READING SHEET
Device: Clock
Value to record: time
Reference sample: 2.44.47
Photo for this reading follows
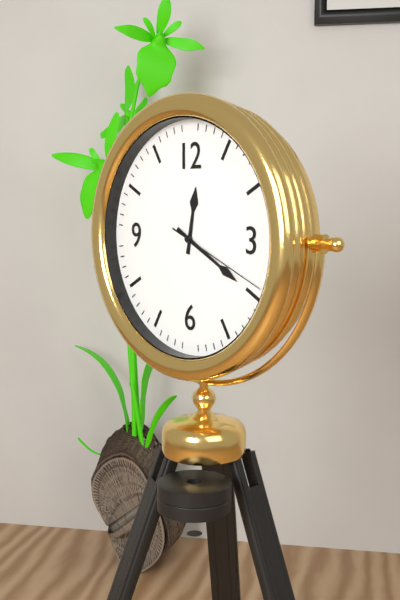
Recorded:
12.20.19
